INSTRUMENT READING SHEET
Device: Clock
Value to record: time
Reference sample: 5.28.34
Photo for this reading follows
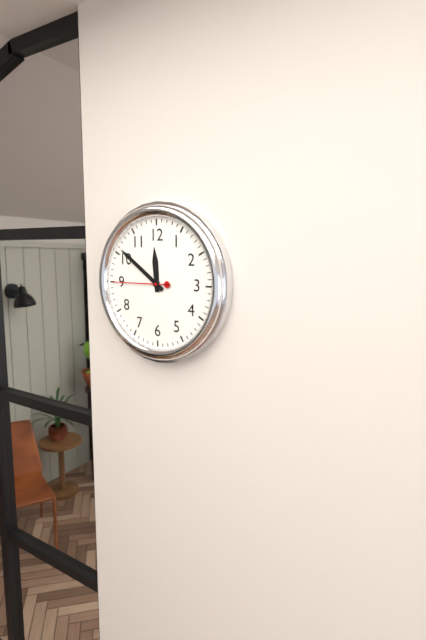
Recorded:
11.51.45
